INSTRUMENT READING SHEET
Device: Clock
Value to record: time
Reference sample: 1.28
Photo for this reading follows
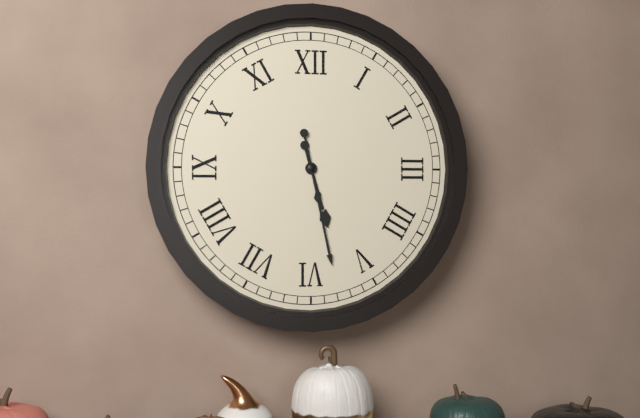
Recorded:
5.28
